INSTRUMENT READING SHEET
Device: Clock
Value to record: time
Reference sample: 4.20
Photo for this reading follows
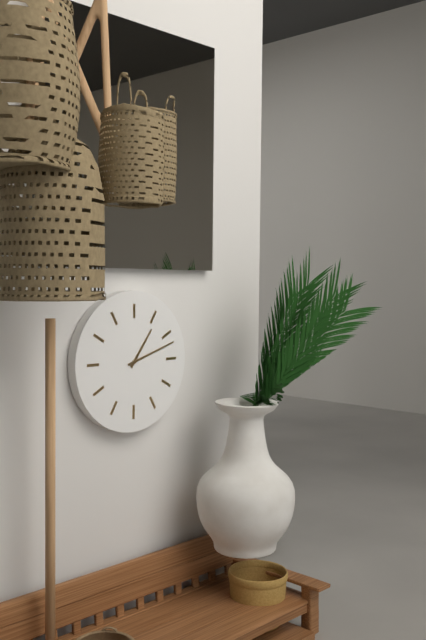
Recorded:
1.12
